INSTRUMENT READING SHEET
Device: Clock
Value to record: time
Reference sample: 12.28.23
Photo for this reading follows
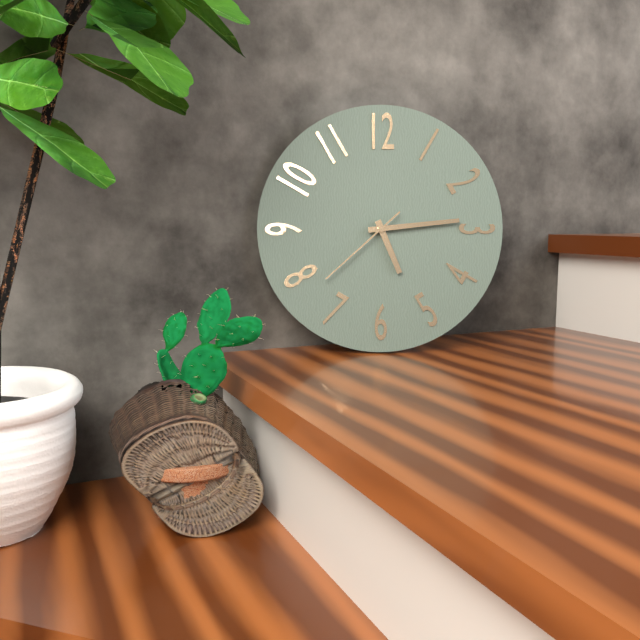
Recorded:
5.14.38
